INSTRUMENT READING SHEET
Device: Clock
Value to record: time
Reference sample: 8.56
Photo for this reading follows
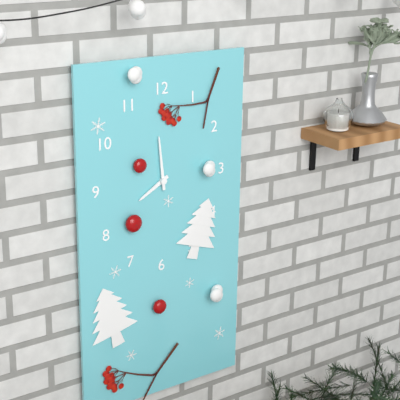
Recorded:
7.59
